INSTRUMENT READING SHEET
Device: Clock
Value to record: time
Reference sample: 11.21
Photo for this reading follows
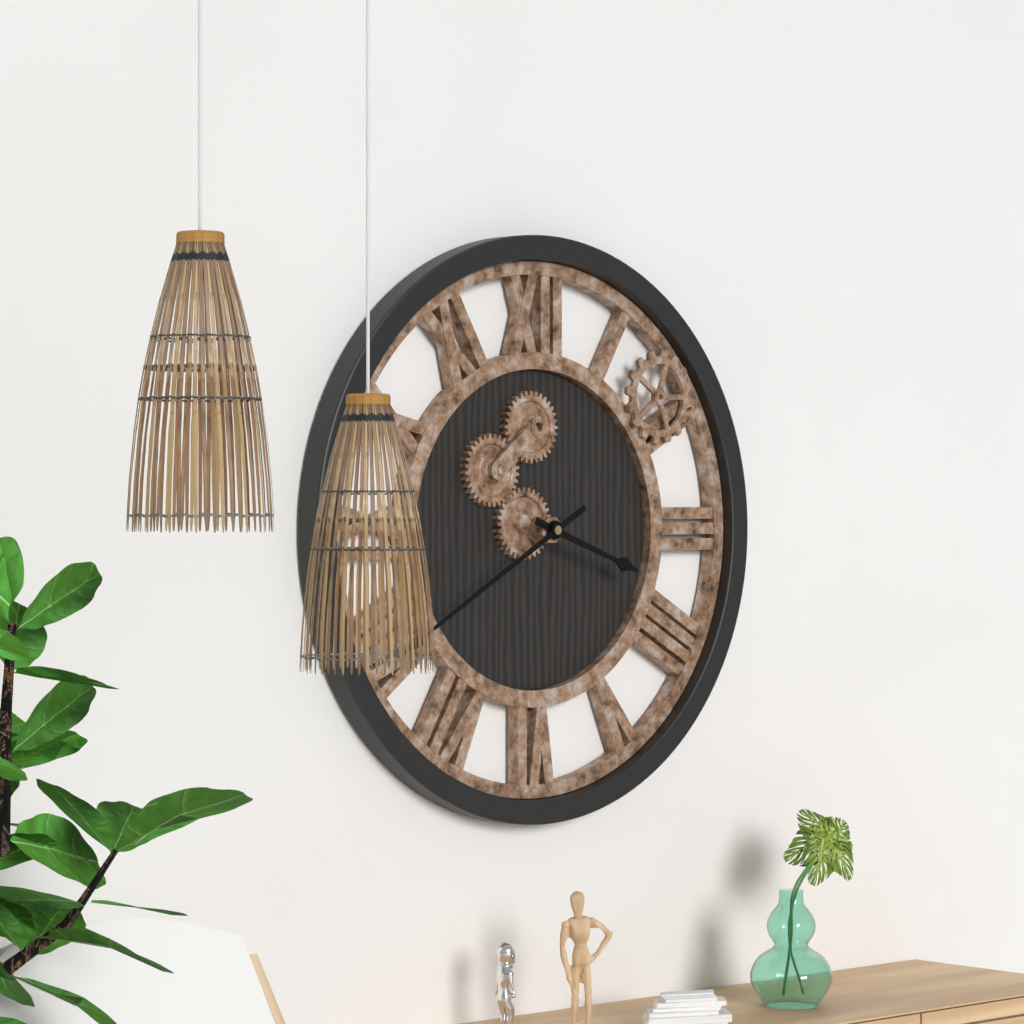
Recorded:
3.40
